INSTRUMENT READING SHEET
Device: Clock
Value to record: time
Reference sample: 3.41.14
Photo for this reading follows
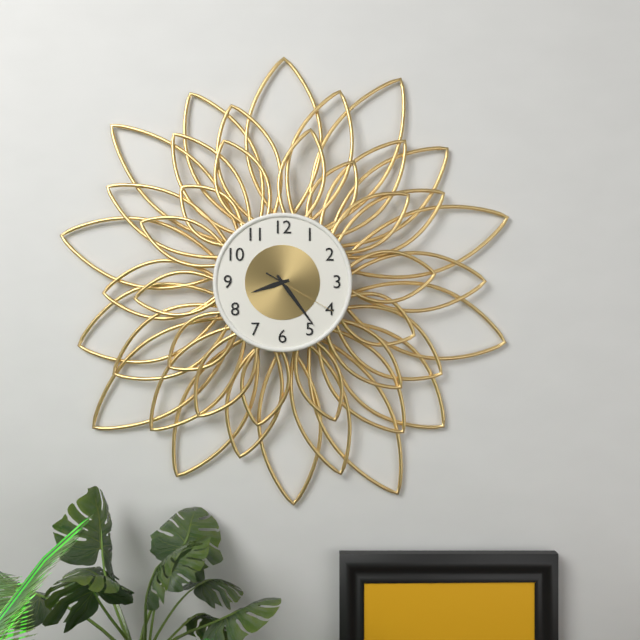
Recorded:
8.24.20
